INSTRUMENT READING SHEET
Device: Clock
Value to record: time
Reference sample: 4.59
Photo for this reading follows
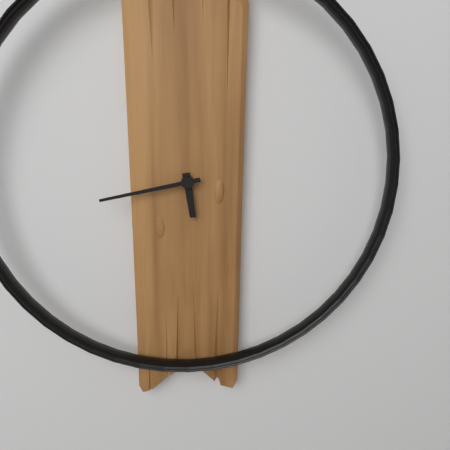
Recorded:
5.43
